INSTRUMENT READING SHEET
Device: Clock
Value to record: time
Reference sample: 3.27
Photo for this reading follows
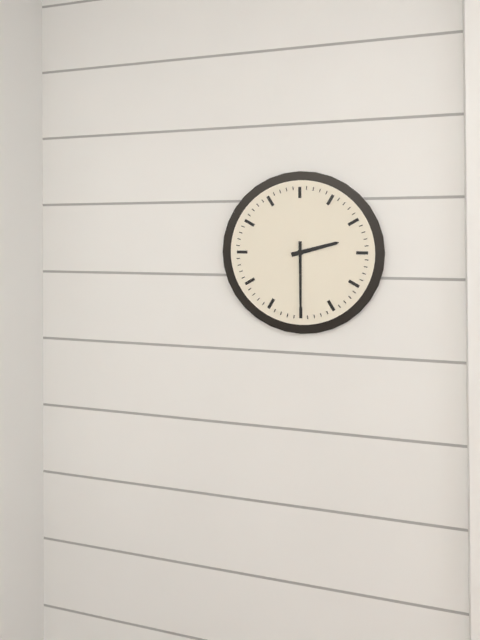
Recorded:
2.30
